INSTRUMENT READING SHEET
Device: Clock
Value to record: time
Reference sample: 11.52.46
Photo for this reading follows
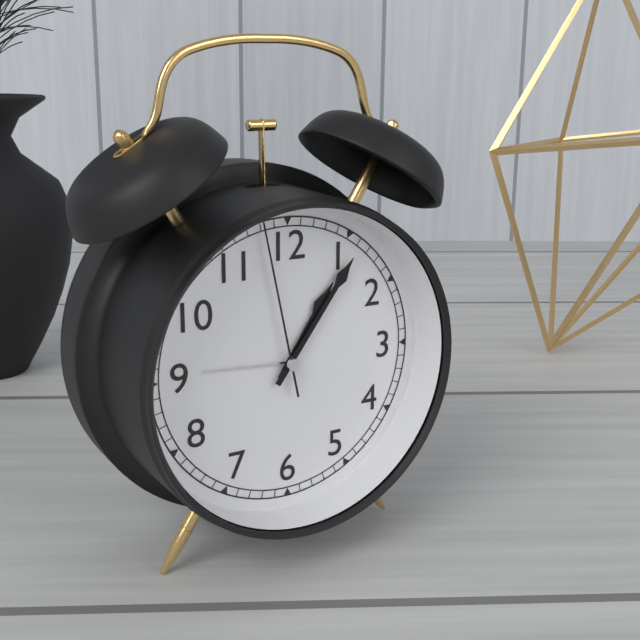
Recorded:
1.06.58
